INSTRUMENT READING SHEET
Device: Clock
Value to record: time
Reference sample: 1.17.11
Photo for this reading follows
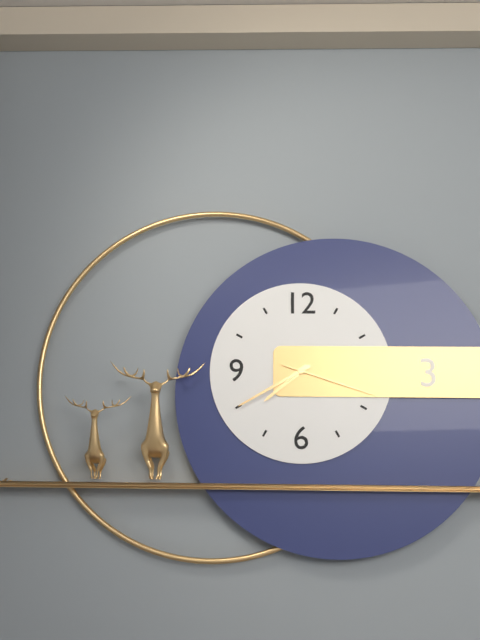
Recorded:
7.40.18
